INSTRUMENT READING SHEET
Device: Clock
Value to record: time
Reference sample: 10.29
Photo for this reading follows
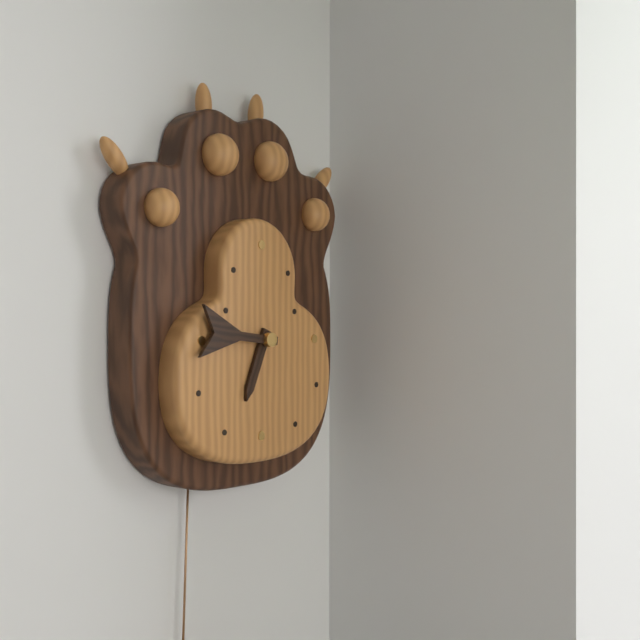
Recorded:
6.46
